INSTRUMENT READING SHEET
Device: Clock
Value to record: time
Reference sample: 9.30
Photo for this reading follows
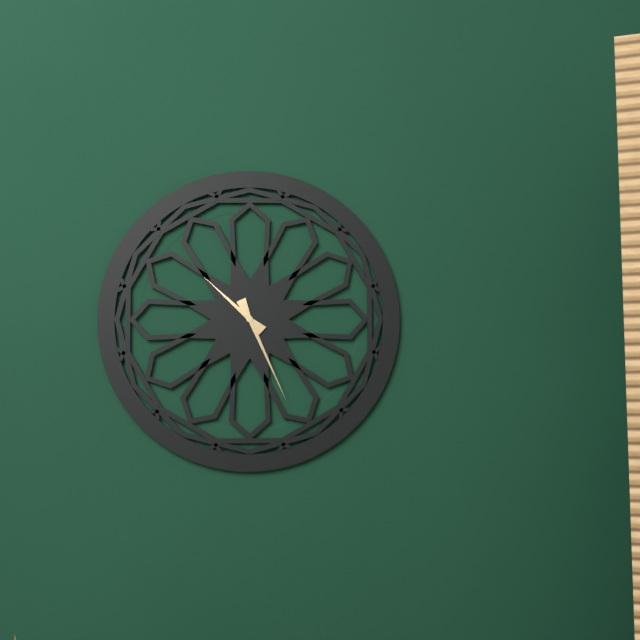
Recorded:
10.26
